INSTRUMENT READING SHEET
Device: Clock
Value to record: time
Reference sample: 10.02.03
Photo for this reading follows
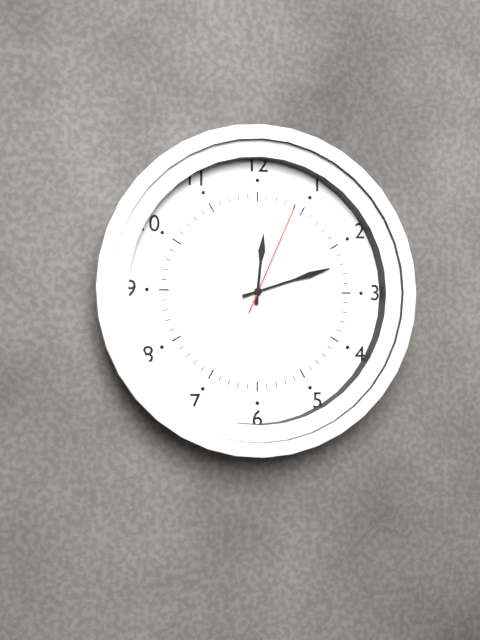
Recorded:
12.12.04
